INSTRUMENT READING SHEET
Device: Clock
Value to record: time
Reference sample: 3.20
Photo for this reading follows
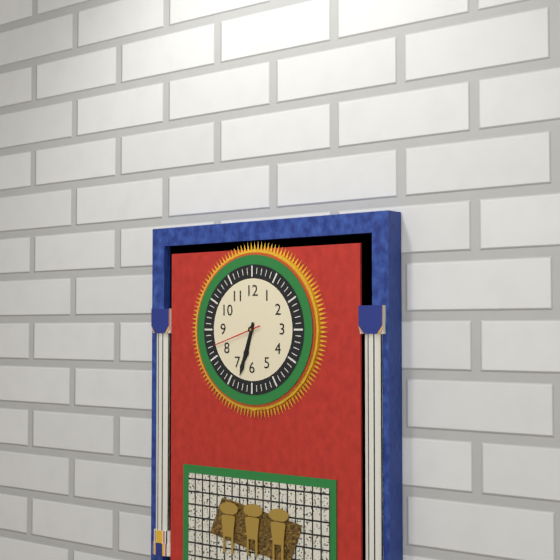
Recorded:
6.33
